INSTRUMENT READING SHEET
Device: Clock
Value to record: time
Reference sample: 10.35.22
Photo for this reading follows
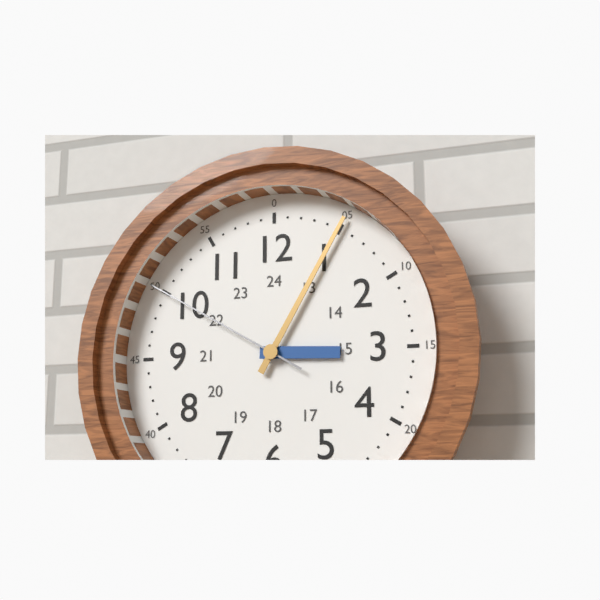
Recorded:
3.05.50
